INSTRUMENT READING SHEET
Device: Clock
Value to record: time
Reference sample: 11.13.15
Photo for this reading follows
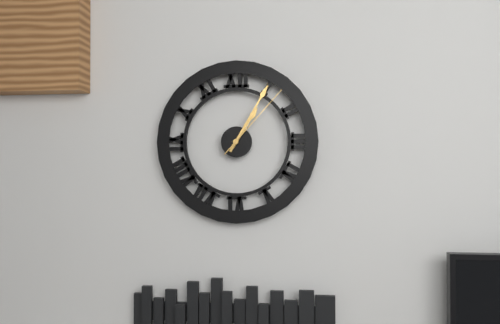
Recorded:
1.05.07
